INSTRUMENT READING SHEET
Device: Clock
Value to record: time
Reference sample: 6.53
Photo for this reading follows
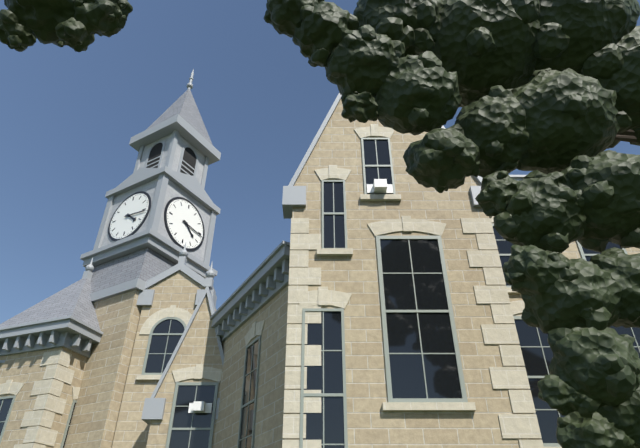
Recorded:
4.16
